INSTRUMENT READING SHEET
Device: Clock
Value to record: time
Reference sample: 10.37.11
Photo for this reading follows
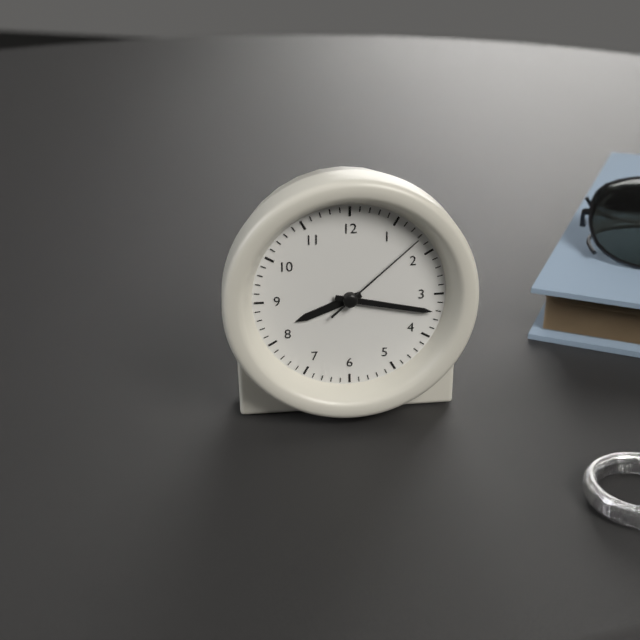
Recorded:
8.17.08
